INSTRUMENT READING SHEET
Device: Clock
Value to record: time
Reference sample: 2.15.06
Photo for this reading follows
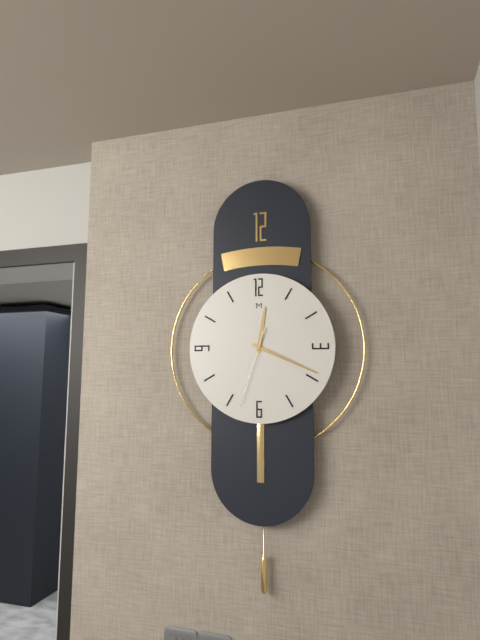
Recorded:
12.19.33
